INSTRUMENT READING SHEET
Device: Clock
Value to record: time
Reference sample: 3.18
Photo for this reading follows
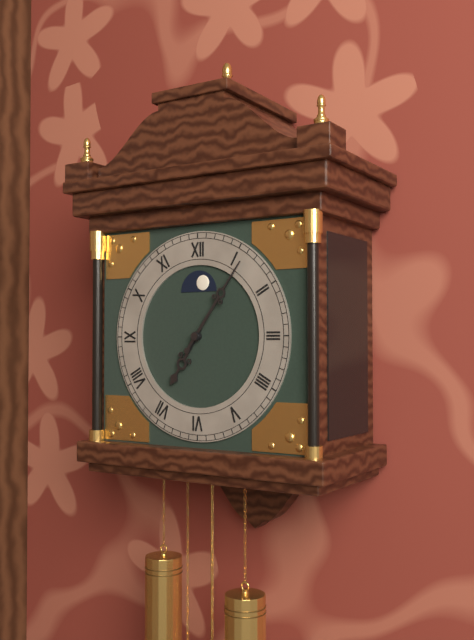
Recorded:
7.06
